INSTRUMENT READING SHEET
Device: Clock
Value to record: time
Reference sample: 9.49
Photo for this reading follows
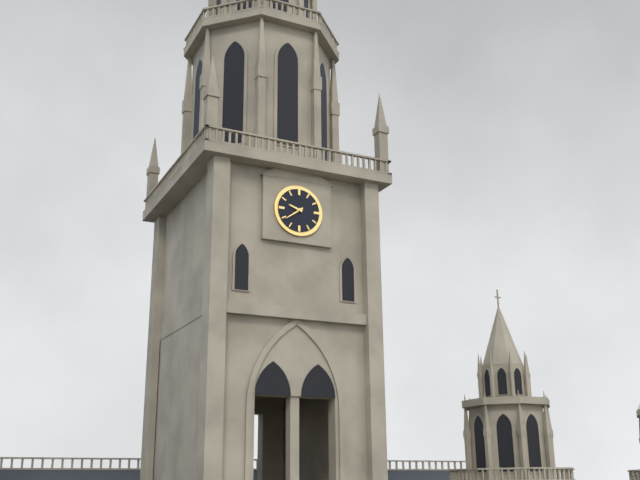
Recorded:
9.39
